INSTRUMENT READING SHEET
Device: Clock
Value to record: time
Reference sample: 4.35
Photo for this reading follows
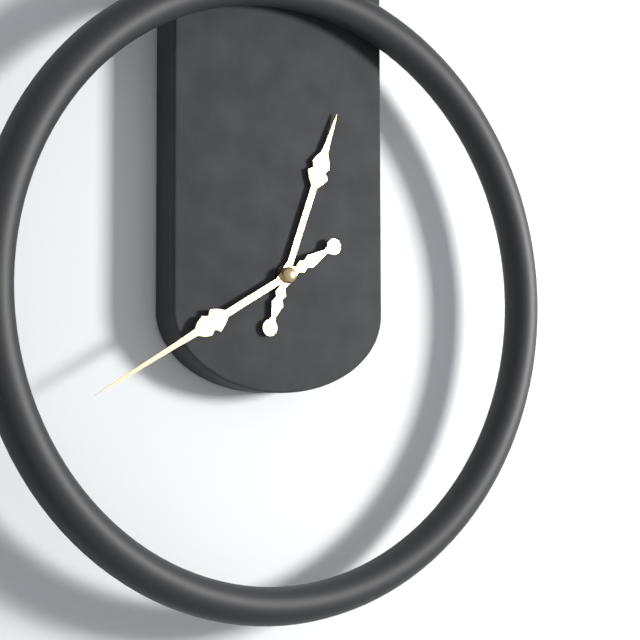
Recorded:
12.40
